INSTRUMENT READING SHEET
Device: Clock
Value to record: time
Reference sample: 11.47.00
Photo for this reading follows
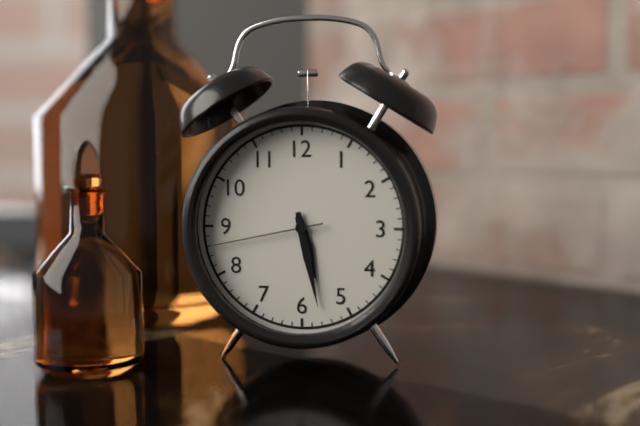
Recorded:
5.28.43
